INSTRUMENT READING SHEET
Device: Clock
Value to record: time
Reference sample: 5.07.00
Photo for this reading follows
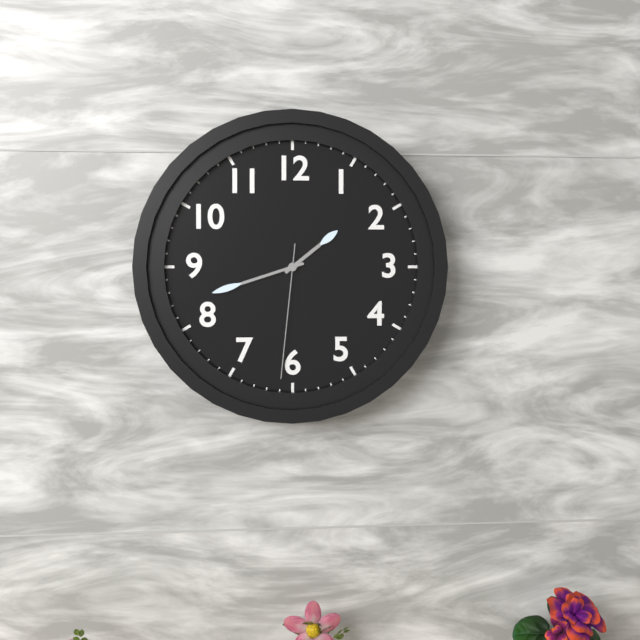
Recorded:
1.42.31
